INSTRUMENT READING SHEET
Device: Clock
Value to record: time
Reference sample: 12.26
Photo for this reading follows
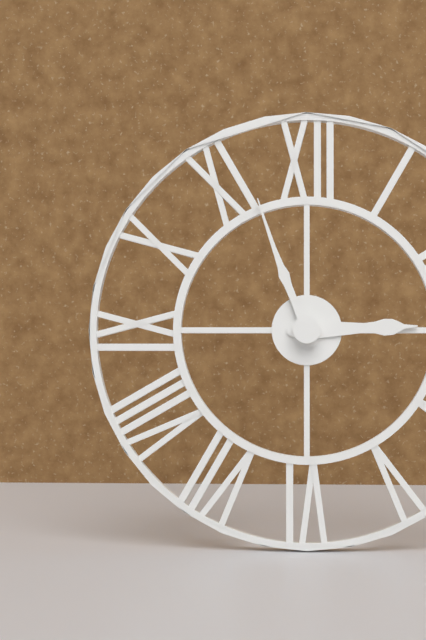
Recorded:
2.56
